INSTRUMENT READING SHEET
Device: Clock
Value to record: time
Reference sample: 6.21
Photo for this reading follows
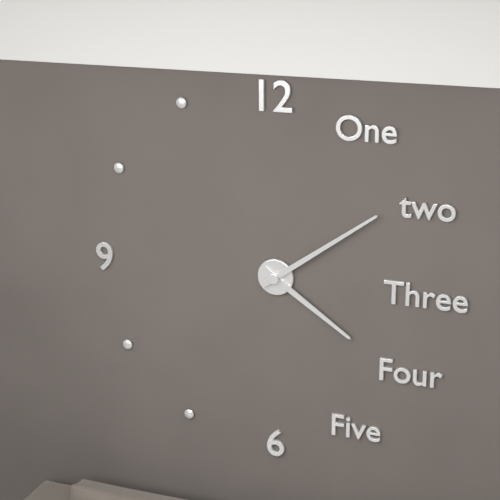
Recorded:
4.09
